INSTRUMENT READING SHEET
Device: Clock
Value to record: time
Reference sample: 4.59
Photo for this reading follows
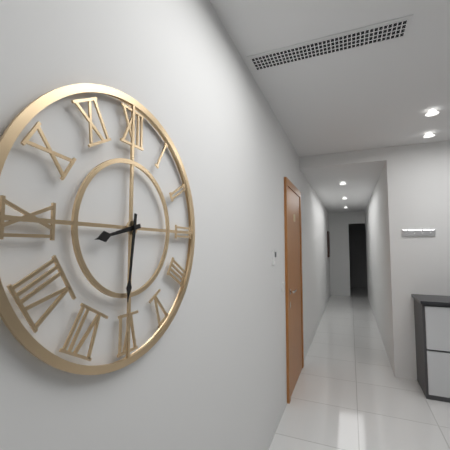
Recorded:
8.31
